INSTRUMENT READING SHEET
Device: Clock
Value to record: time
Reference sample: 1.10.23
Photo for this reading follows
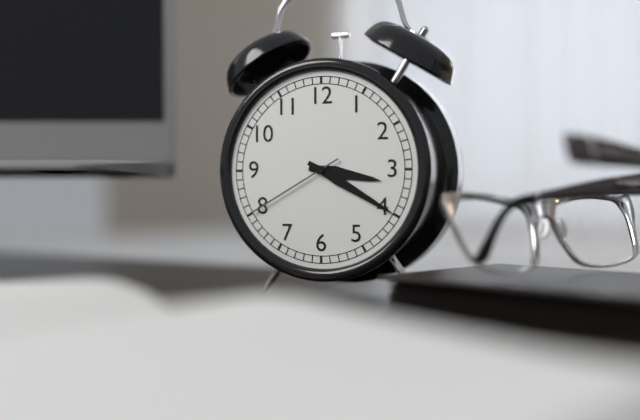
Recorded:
3.20.40
